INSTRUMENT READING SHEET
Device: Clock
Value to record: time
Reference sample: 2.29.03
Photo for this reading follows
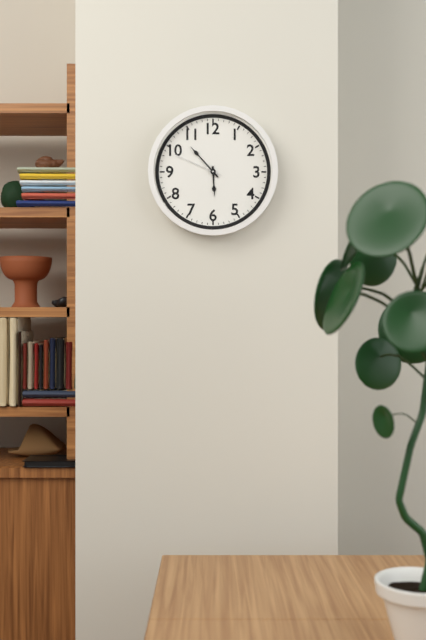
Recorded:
5.53.49
